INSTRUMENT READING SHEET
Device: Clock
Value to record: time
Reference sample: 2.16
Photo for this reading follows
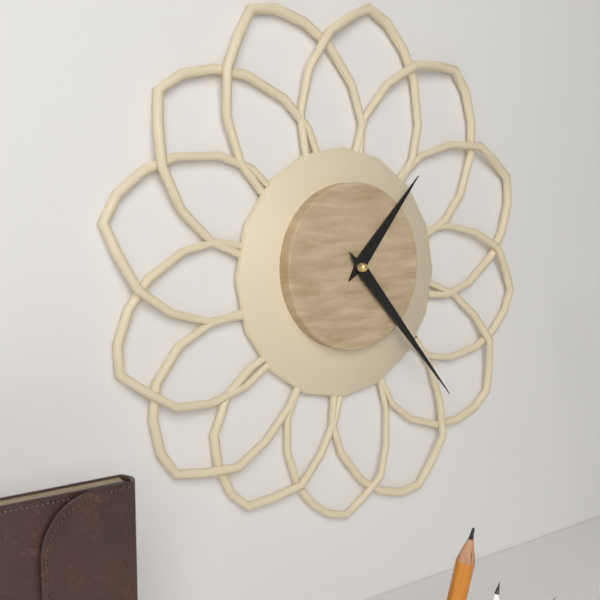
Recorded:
1.23
